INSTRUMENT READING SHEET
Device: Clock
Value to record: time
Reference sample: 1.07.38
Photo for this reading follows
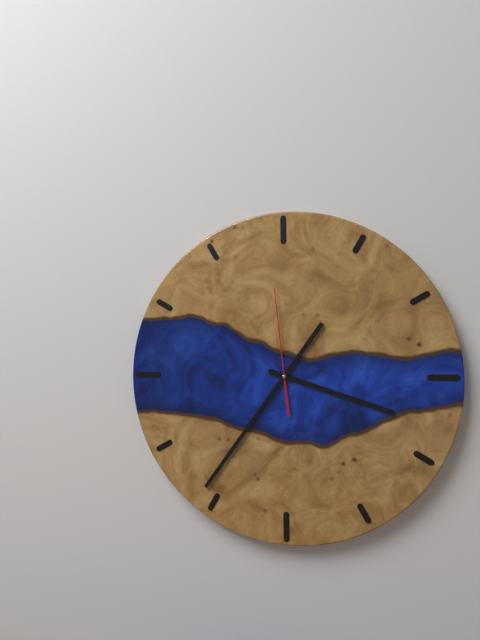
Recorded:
3.36.59
